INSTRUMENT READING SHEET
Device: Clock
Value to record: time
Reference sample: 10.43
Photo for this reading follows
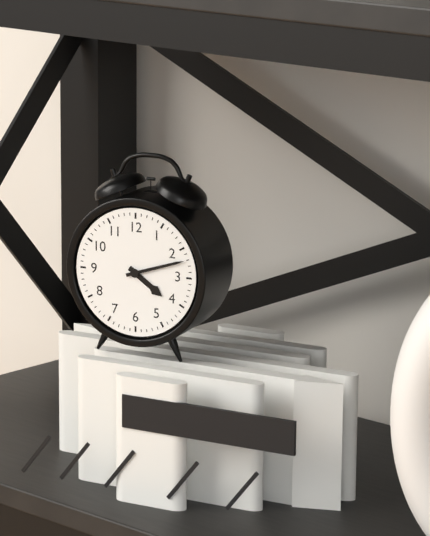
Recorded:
4.12
